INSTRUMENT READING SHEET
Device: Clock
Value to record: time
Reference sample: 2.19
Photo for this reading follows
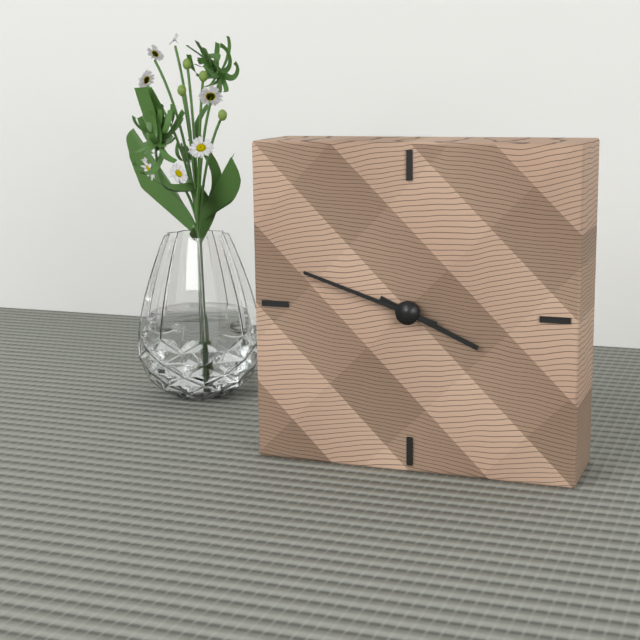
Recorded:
3.48
